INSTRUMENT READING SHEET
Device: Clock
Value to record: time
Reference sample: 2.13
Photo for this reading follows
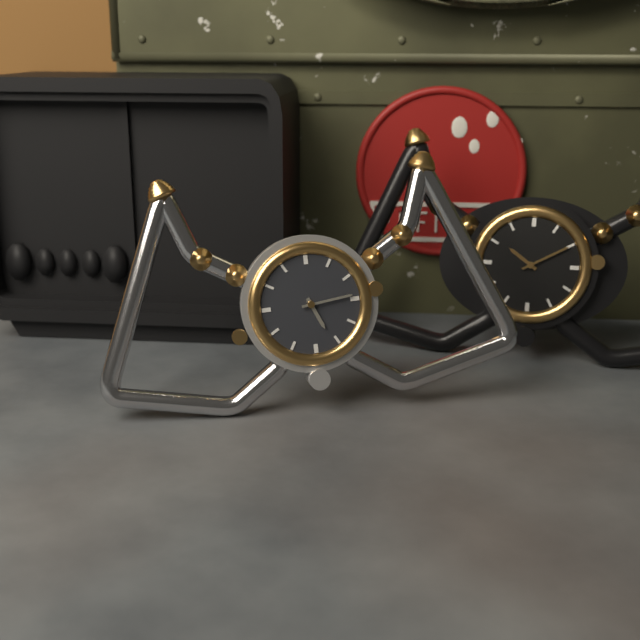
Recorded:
5.14
